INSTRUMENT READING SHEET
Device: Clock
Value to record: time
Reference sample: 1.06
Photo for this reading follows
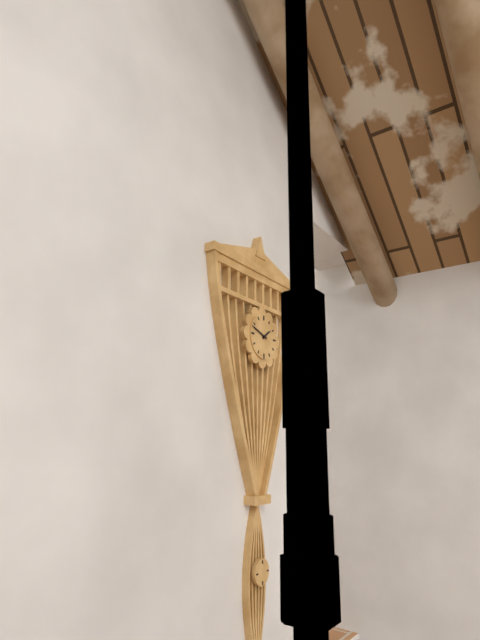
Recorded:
1.48
